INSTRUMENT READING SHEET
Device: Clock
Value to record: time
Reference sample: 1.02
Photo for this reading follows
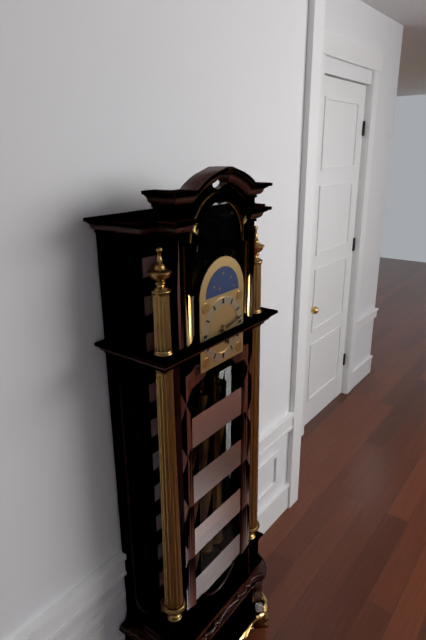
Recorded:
5.13
